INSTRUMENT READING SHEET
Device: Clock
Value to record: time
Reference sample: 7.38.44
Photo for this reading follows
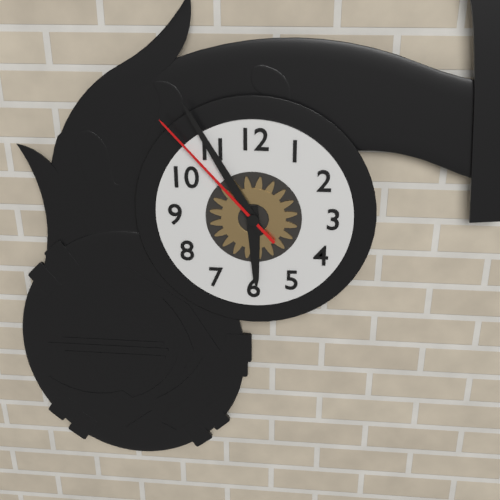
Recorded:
5.55.53
